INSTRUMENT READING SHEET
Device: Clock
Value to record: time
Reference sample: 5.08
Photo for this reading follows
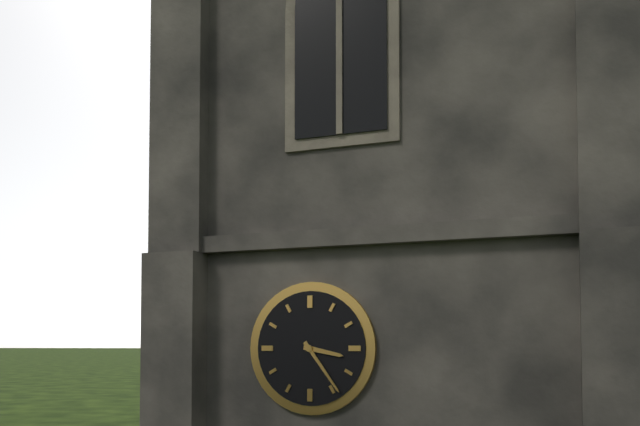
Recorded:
3.24
